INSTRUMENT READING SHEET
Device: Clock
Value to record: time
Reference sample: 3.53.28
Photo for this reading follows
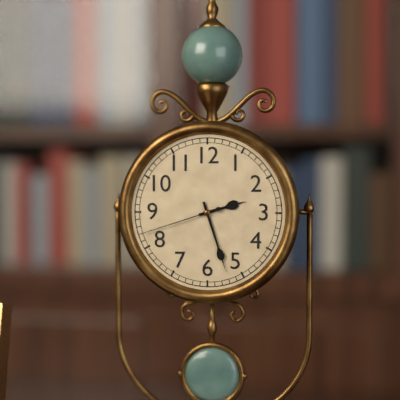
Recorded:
2.27.42
